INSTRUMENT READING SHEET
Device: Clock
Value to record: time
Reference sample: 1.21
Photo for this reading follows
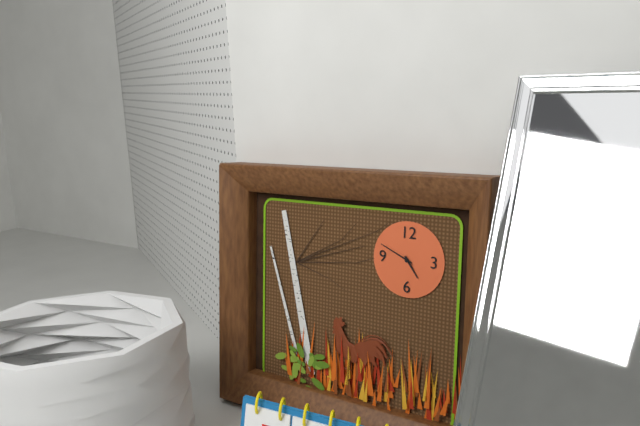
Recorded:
4.49
